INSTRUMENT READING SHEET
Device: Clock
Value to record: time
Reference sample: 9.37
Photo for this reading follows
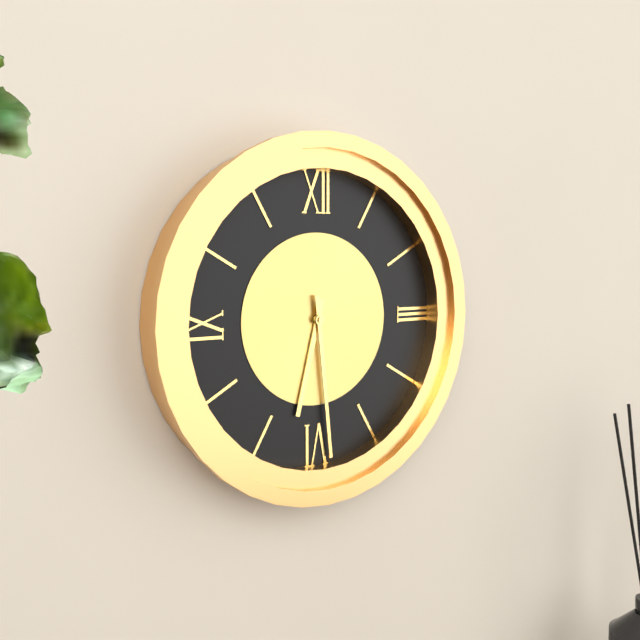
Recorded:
6.29
